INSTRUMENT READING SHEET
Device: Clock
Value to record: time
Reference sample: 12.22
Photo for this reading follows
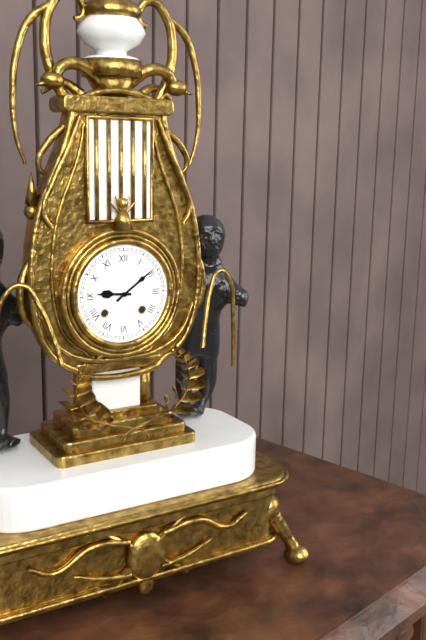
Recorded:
9.09
